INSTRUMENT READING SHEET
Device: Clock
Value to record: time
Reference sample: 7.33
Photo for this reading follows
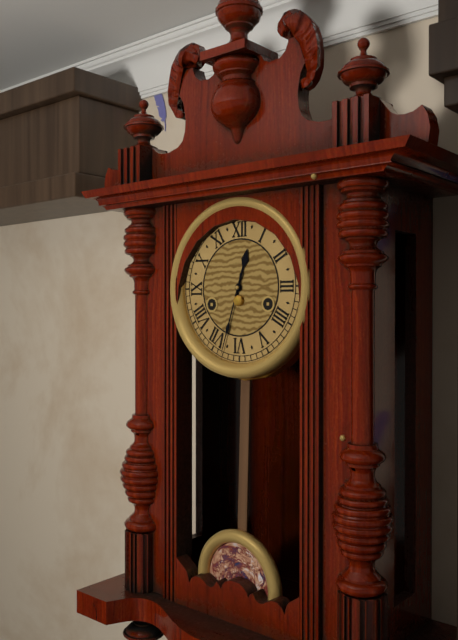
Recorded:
12.33
